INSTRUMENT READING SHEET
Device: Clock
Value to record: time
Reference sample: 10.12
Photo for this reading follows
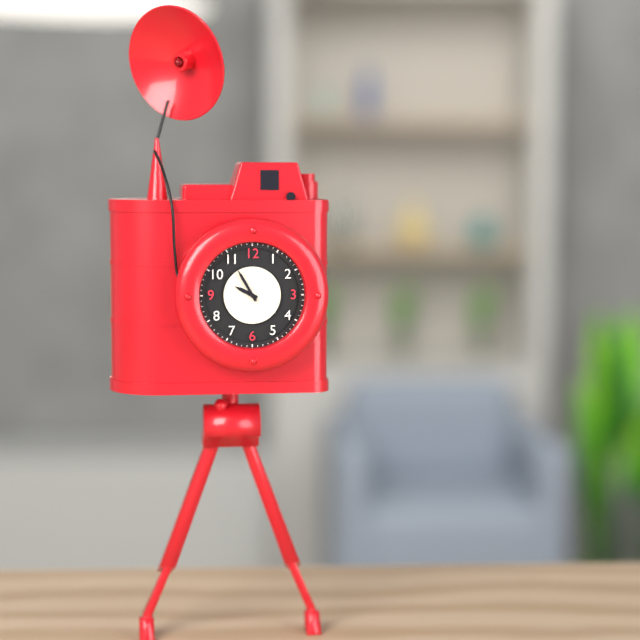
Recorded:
9.55
